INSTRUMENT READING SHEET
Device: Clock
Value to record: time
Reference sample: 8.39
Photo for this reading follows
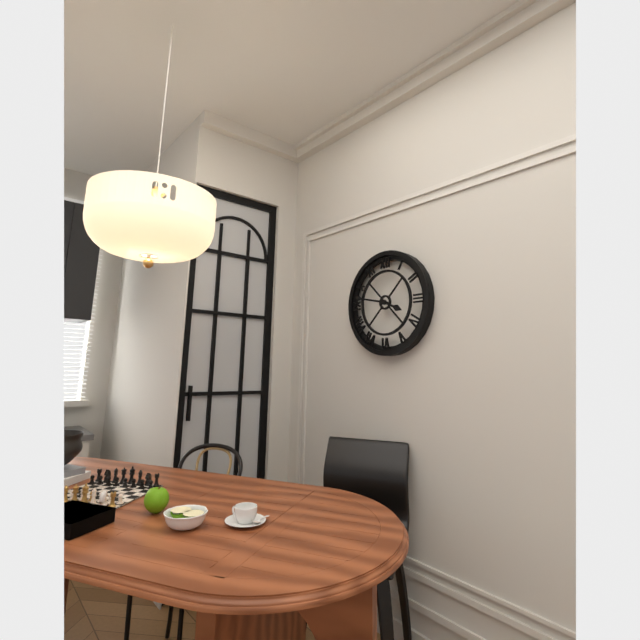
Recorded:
3.47
